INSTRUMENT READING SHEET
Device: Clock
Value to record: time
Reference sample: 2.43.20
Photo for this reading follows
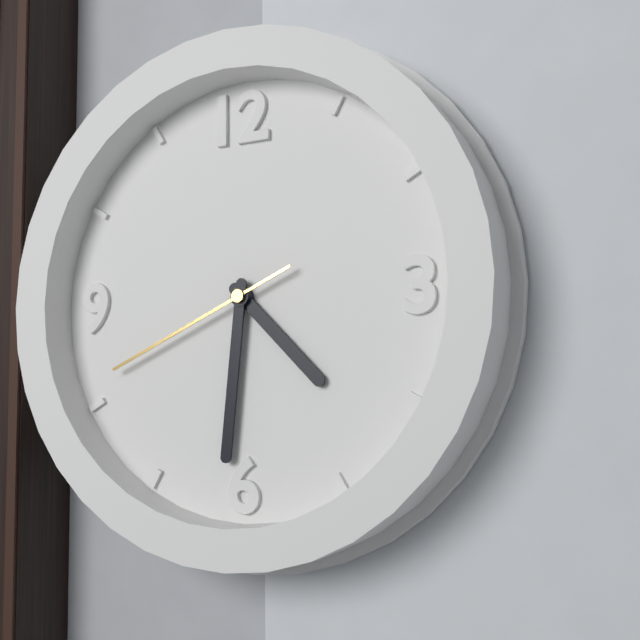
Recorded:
4.31.41
